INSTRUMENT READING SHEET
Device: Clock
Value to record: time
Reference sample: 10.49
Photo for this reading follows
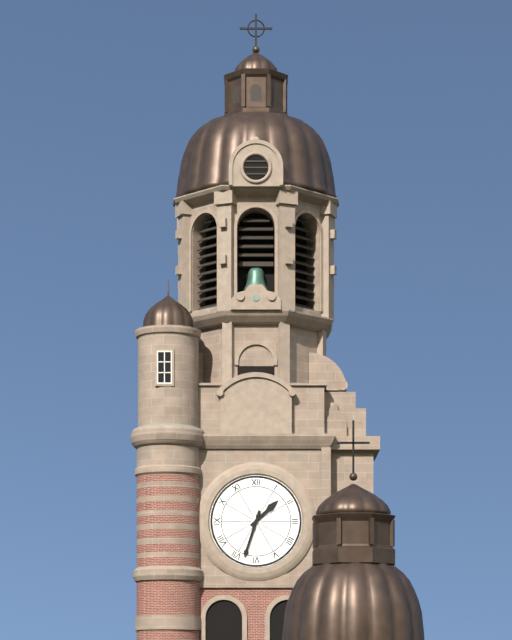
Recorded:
1.33
